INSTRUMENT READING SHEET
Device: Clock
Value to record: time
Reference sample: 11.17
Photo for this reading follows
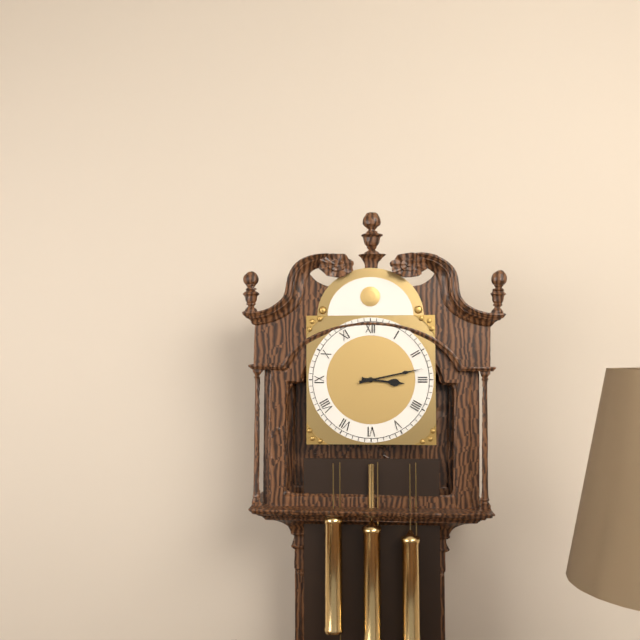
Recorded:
3.13
